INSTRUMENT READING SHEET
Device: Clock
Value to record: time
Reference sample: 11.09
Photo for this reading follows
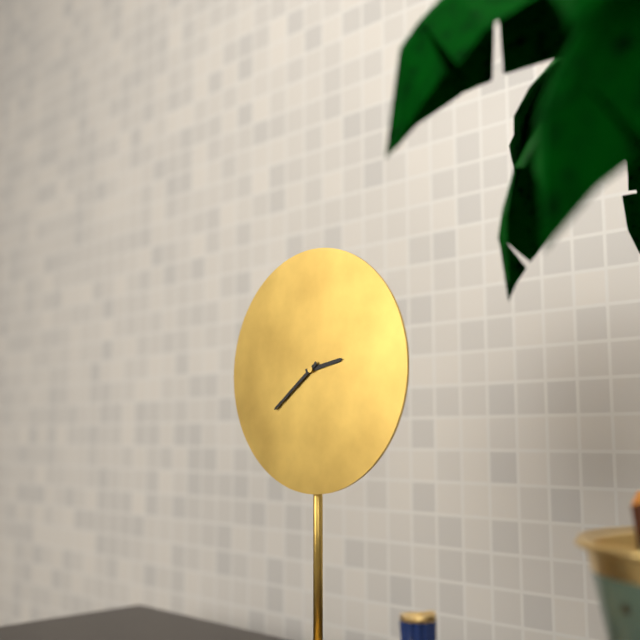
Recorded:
2.39
